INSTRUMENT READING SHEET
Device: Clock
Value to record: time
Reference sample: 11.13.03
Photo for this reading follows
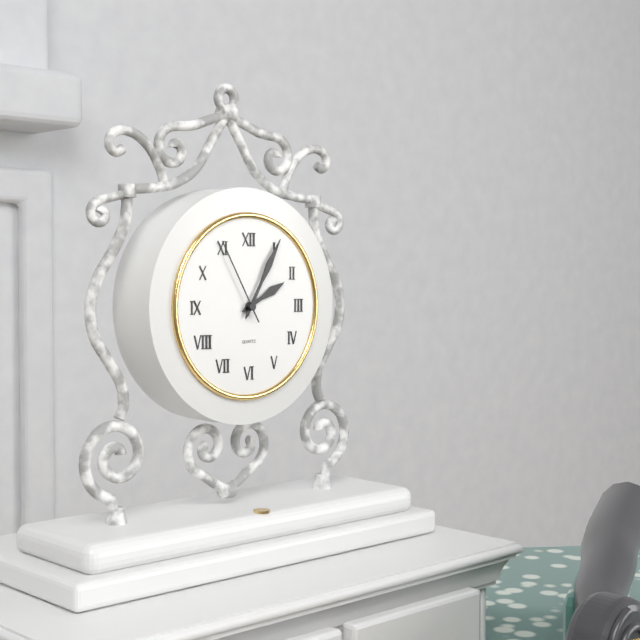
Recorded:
2.05.55
